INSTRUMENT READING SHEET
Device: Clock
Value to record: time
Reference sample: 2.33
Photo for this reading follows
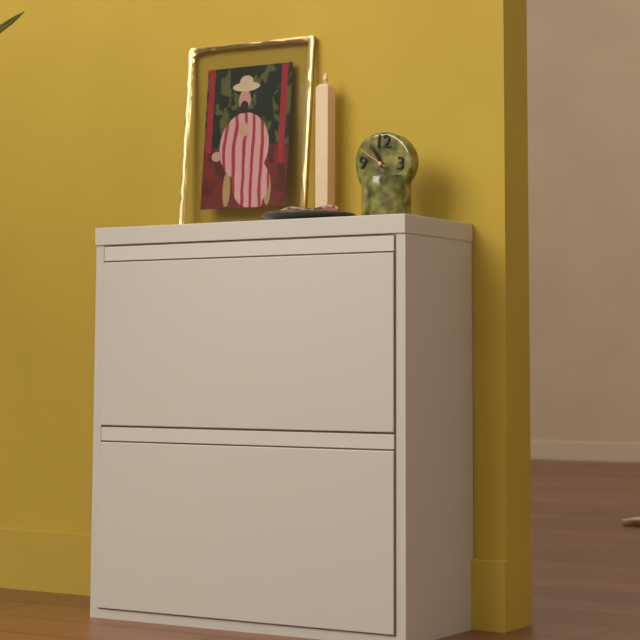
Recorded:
10.54
